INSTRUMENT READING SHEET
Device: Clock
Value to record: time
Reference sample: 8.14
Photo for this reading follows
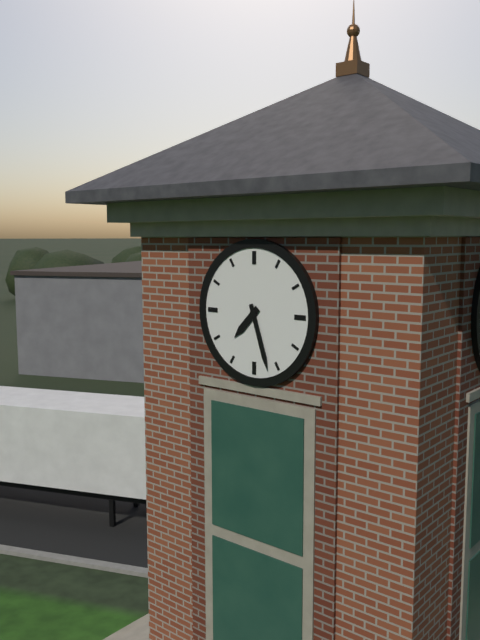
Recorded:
7.27
